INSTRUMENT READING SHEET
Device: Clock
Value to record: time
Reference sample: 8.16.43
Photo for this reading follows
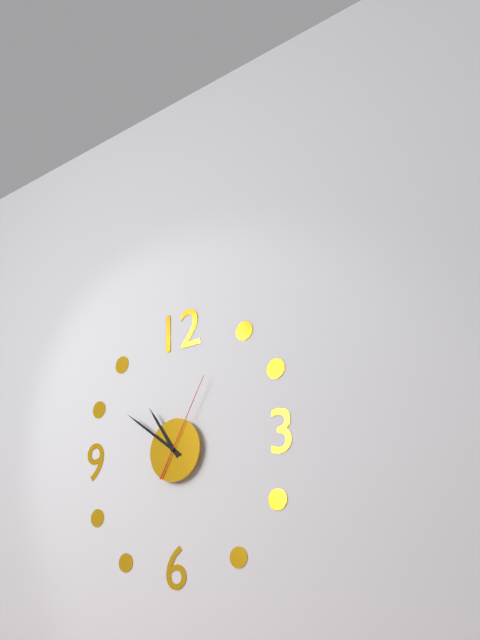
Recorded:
10.51.05
